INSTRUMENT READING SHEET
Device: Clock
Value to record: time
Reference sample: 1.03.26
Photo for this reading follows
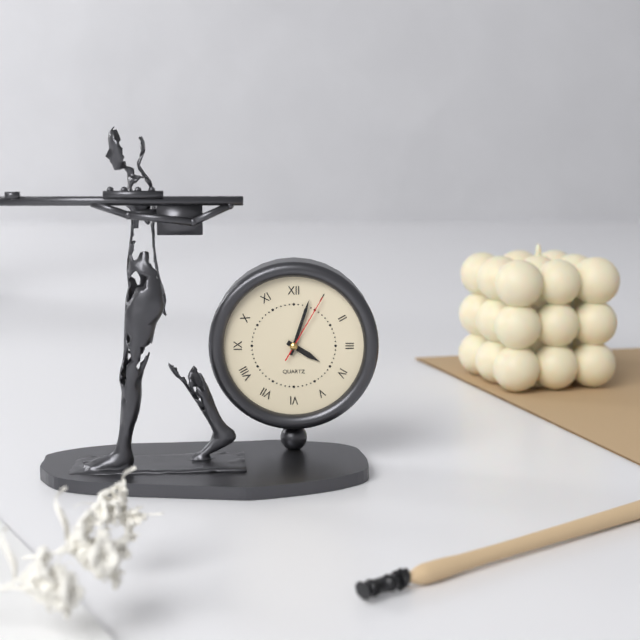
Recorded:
4.03.05
